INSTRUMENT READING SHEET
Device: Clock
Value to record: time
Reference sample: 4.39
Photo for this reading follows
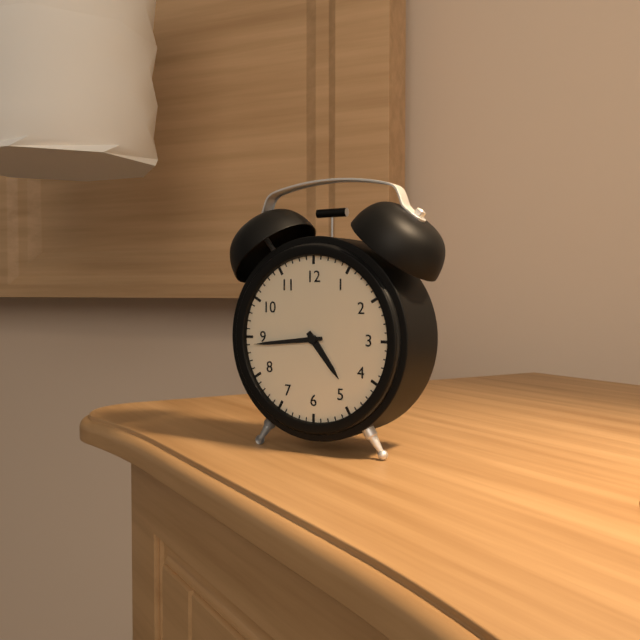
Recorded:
4.44
